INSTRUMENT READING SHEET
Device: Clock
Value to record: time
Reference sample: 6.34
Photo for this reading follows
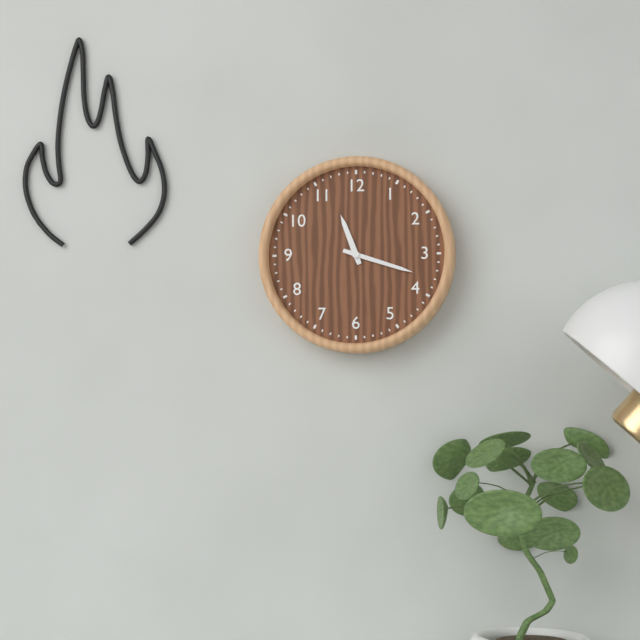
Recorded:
11.18
